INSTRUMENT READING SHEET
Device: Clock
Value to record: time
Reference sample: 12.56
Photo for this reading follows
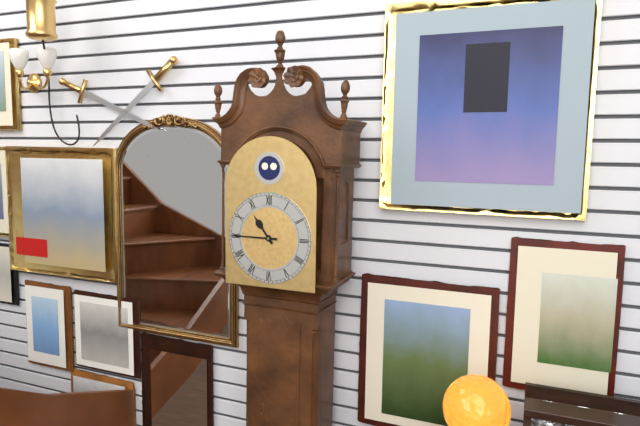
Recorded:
10.45
